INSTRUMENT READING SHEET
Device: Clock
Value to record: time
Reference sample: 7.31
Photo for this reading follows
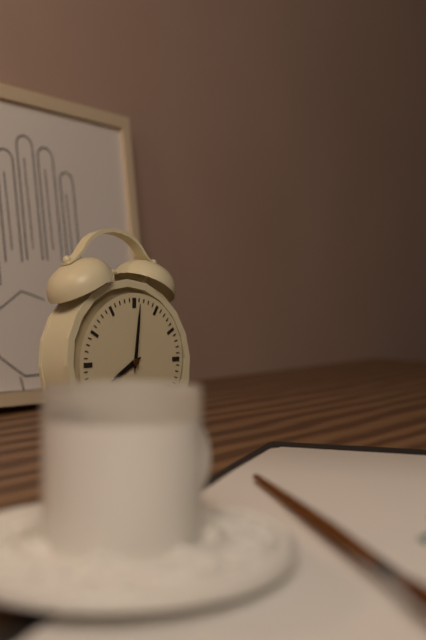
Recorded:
8.01
